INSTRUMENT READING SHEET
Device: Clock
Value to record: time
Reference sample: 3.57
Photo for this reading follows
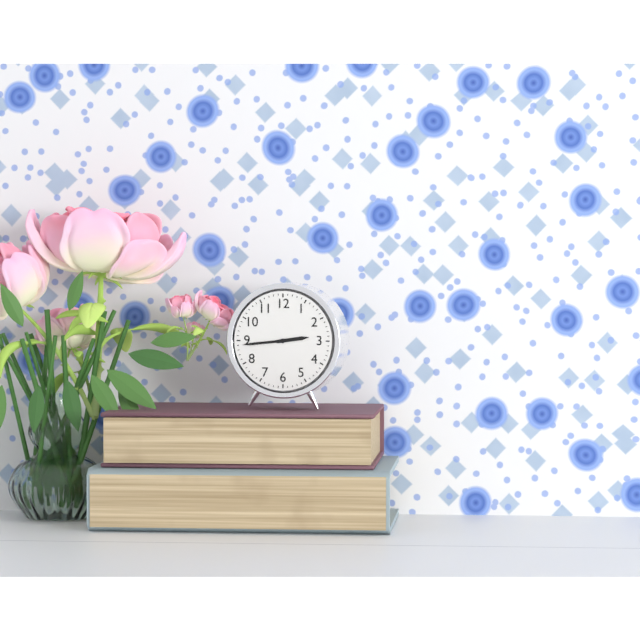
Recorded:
2.44
